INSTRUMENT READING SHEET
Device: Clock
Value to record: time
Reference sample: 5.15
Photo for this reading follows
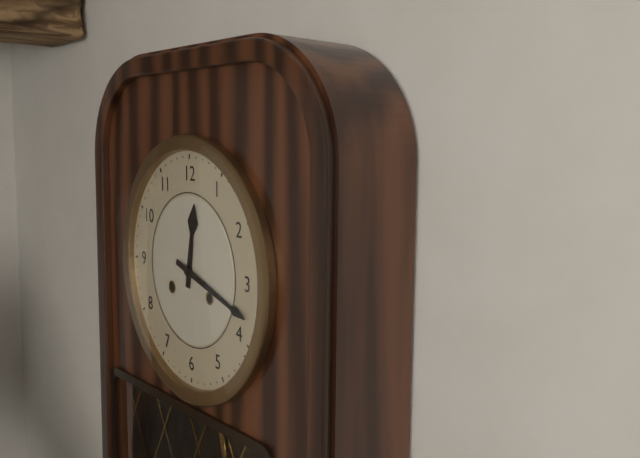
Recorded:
12.18
